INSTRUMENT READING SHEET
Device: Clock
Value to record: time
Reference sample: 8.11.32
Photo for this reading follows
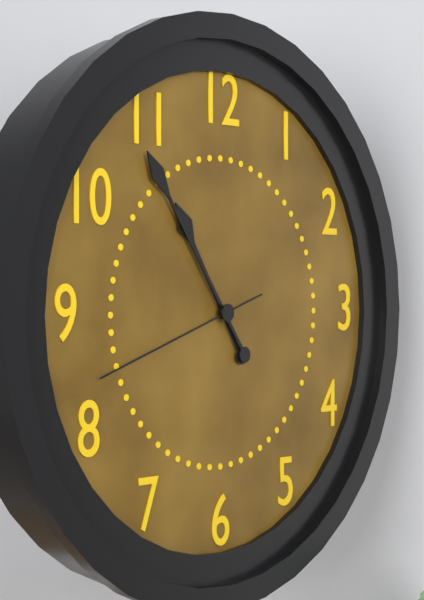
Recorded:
10.54.42
